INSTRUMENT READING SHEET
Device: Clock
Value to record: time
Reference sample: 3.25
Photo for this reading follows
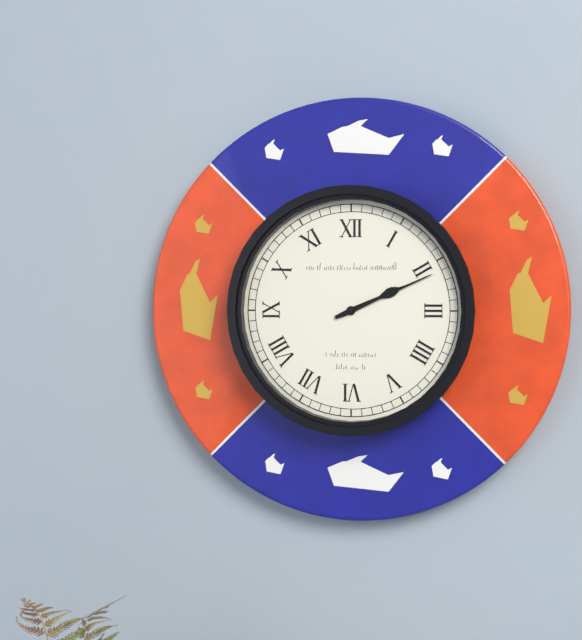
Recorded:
2.11
